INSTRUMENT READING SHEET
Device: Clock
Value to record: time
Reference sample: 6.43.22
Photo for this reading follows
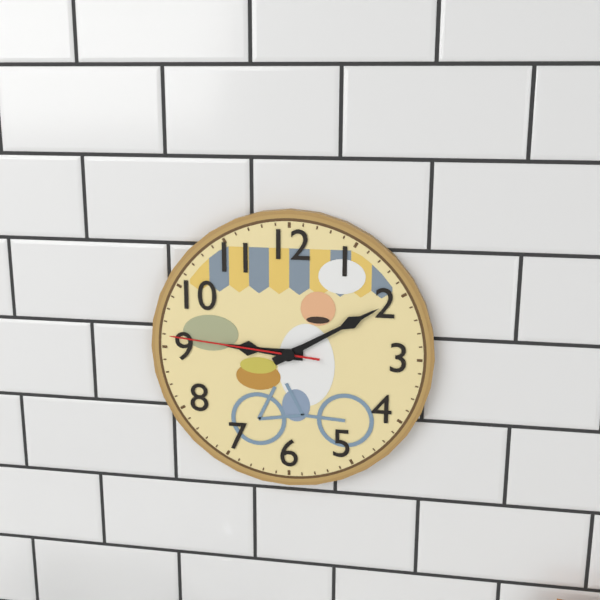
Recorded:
9.10.46
